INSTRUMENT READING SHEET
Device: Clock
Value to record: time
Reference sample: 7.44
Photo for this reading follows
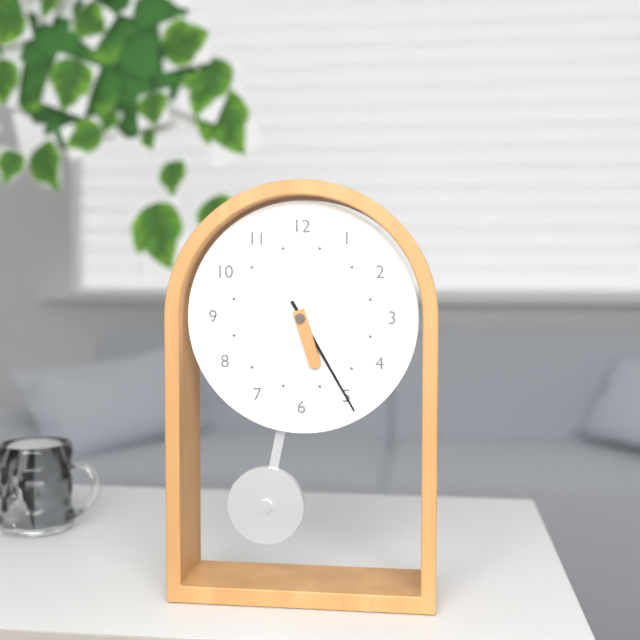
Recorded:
5.25
